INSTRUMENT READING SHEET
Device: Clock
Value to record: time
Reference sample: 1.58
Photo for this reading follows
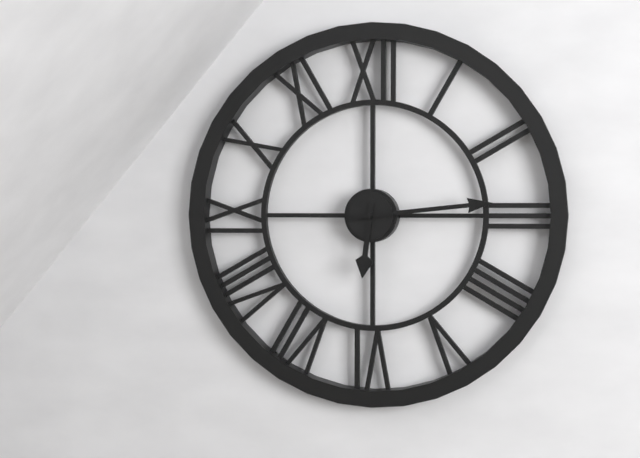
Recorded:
6.14
